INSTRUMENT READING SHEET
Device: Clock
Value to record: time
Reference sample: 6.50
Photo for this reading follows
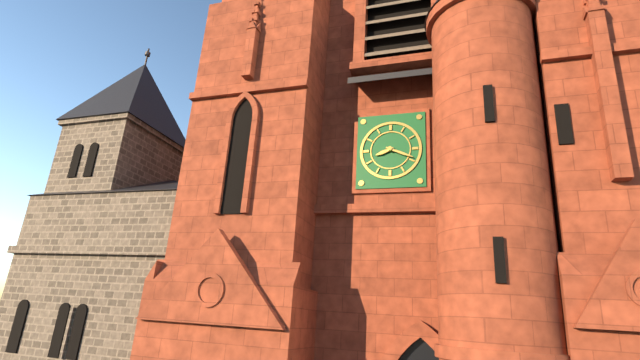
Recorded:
8.19
